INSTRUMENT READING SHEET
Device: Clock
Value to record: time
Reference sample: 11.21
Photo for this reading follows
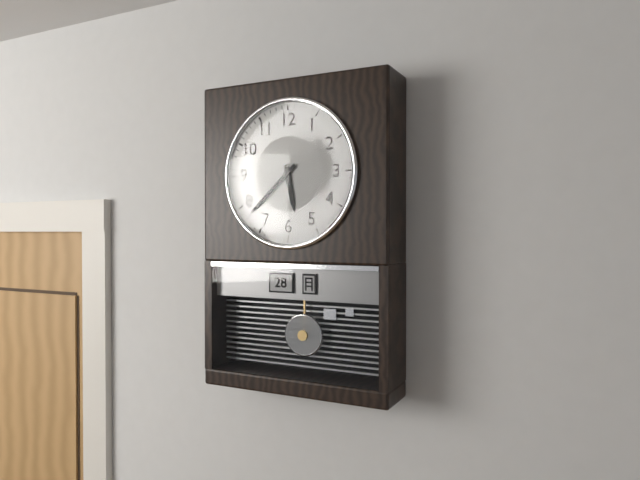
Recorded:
5.38
